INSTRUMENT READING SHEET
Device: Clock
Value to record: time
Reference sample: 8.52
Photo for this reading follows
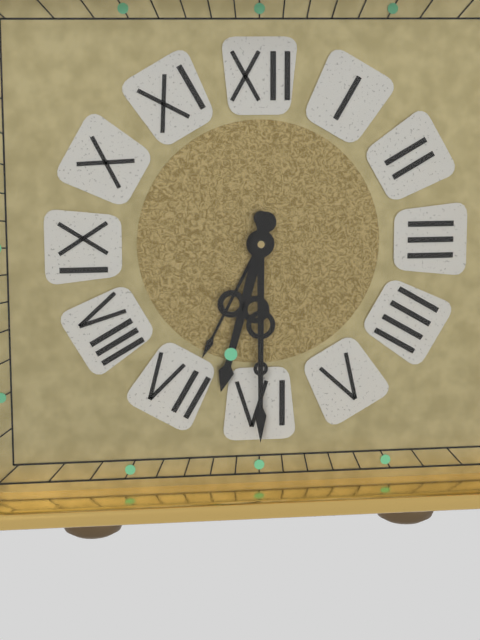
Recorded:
6.30
